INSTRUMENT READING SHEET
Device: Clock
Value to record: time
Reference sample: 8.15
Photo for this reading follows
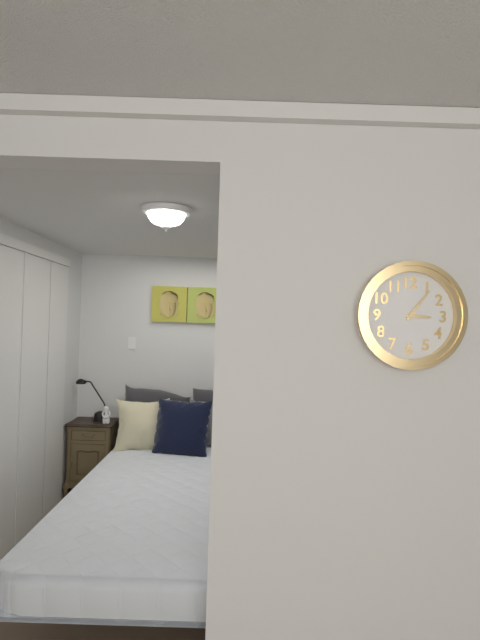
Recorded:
3.06
